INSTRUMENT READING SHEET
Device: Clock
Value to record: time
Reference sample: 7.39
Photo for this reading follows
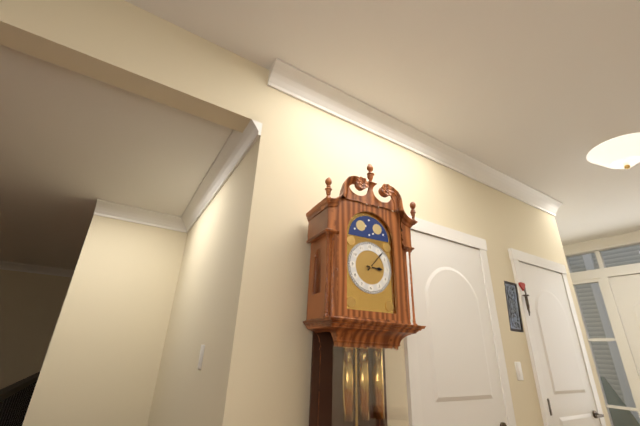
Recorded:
3.07
